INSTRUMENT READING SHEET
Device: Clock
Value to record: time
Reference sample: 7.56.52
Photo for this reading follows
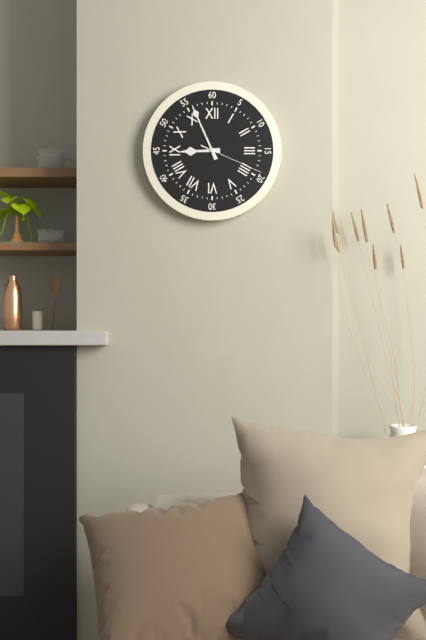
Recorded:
8.56.19
